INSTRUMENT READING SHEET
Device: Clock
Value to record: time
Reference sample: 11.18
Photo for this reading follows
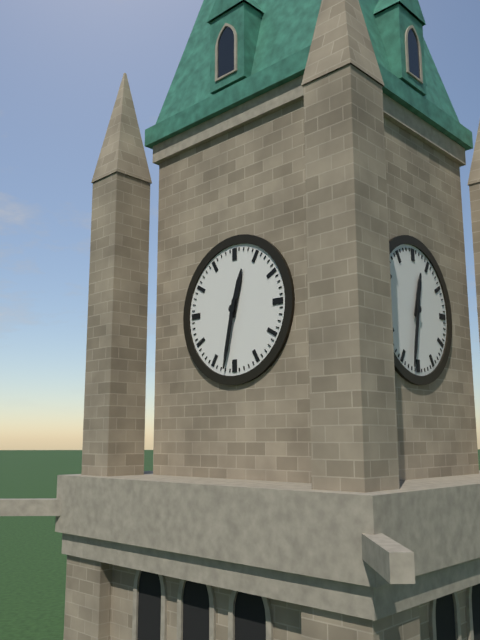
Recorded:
12.32
